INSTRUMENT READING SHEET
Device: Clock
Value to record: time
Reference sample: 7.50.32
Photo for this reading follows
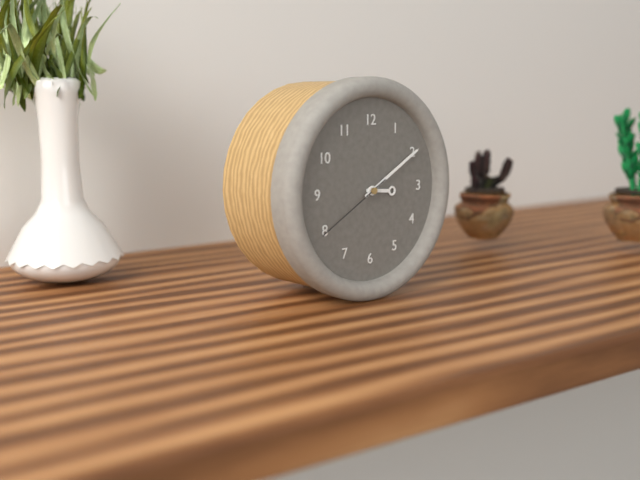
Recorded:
3.10.40
